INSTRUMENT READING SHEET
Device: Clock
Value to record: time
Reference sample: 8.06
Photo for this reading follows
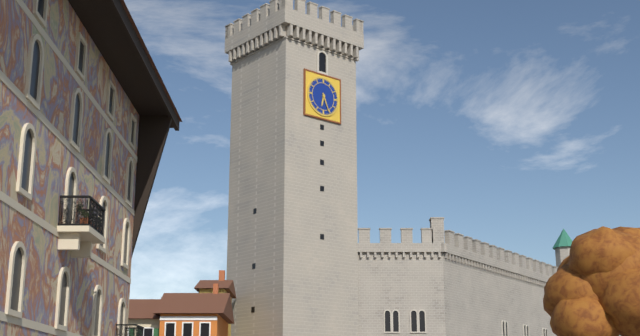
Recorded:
6.26
